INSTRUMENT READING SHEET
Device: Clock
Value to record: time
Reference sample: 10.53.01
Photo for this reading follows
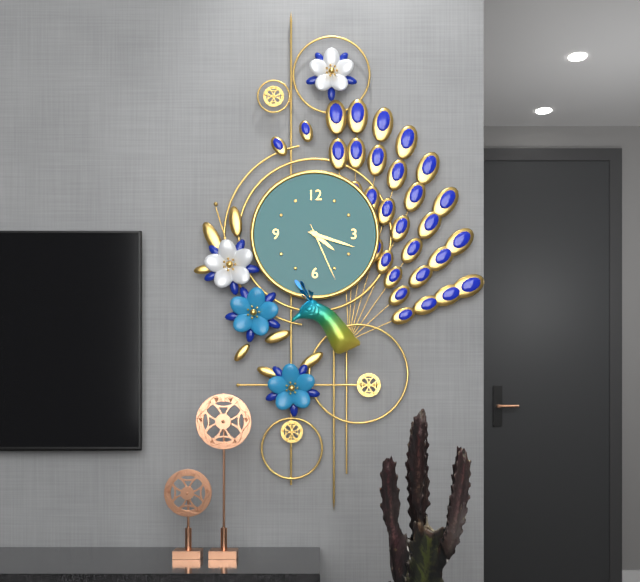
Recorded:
4.18.26
